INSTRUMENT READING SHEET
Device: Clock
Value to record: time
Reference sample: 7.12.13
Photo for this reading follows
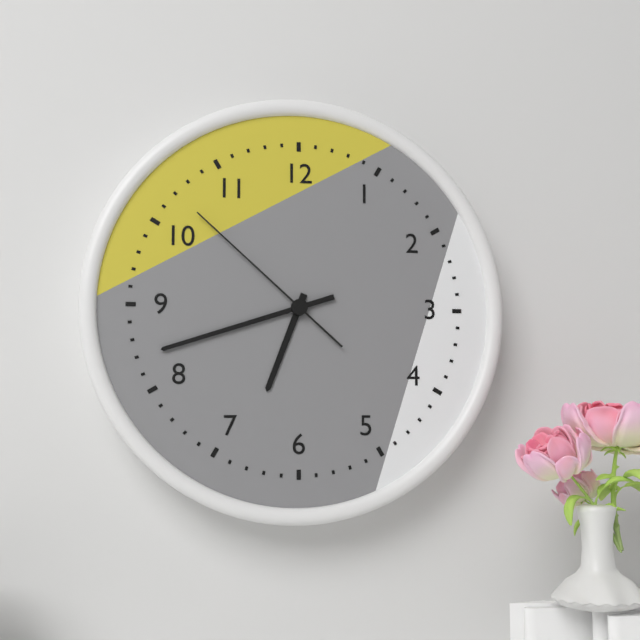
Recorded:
6.42.52
